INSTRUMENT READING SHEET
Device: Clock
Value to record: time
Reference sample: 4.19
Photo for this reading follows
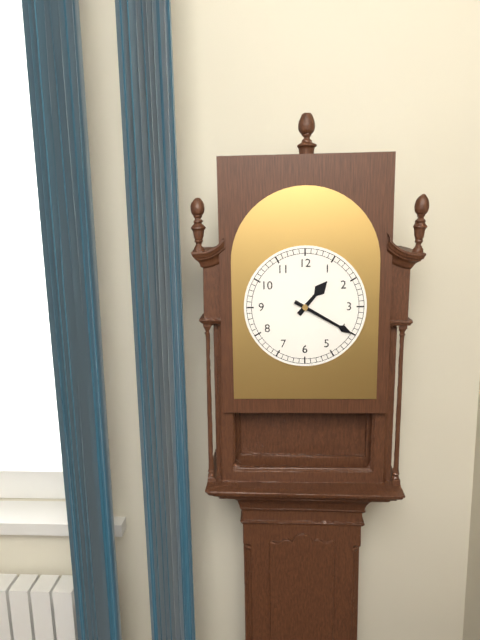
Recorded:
1.20
